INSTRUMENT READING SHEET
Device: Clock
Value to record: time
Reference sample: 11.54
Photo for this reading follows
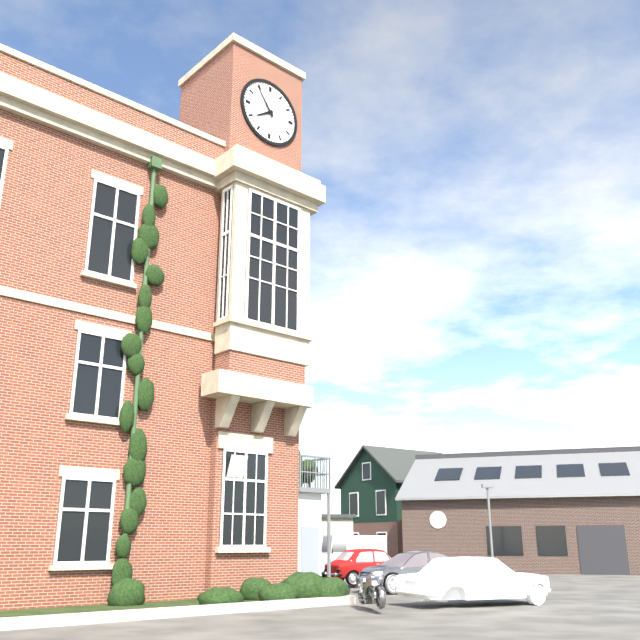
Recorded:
7.54
